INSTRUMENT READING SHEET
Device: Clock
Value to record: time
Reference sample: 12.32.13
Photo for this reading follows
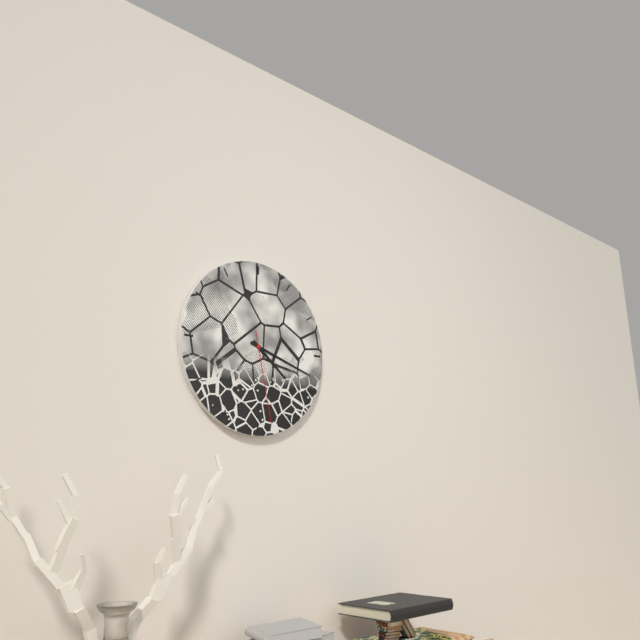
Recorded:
4.18.28
